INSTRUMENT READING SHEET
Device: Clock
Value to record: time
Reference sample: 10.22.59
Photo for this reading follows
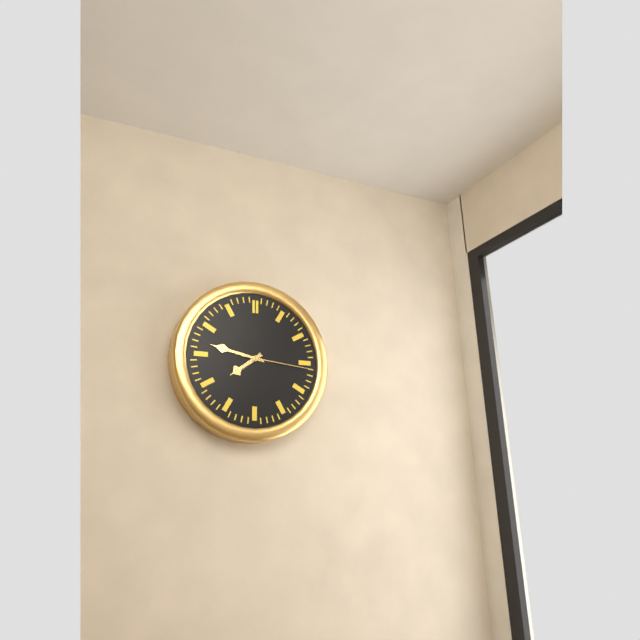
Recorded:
7.47.16
